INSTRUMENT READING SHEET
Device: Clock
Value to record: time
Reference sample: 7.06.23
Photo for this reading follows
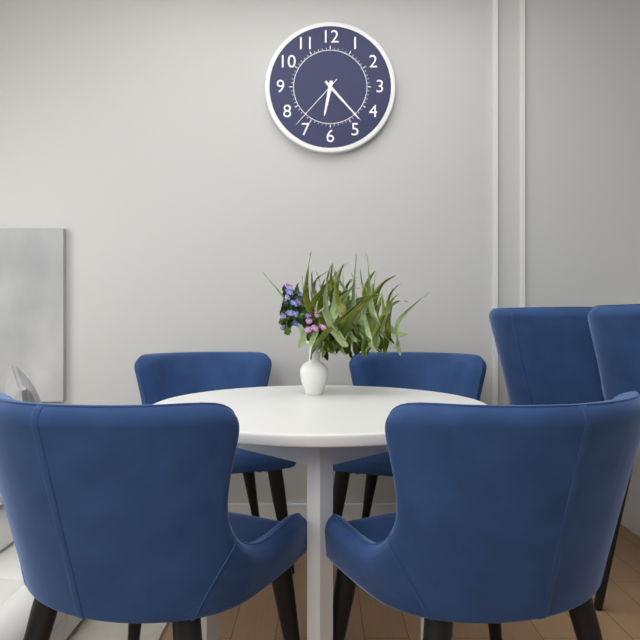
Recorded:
6.23.37
